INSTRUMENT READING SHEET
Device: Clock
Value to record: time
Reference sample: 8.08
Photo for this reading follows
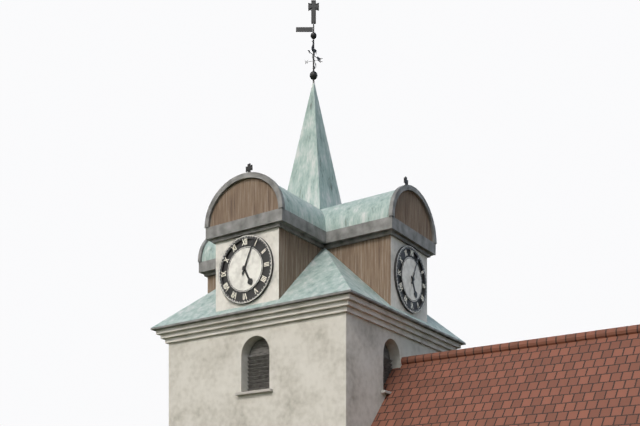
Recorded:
5.04
